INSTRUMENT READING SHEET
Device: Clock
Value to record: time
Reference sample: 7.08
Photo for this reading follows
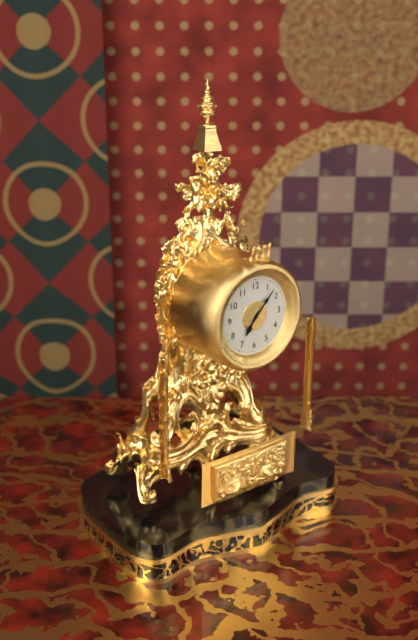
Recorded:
7.07
